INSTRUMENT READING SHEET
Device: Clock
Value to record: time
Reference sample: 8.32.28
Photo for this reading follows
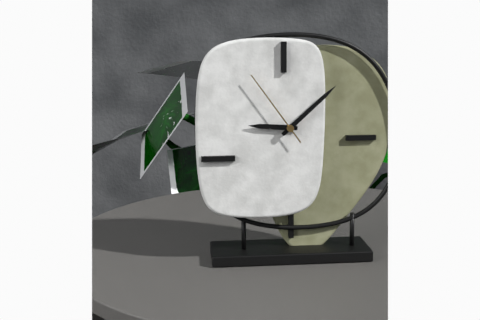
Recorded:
9.08.54
